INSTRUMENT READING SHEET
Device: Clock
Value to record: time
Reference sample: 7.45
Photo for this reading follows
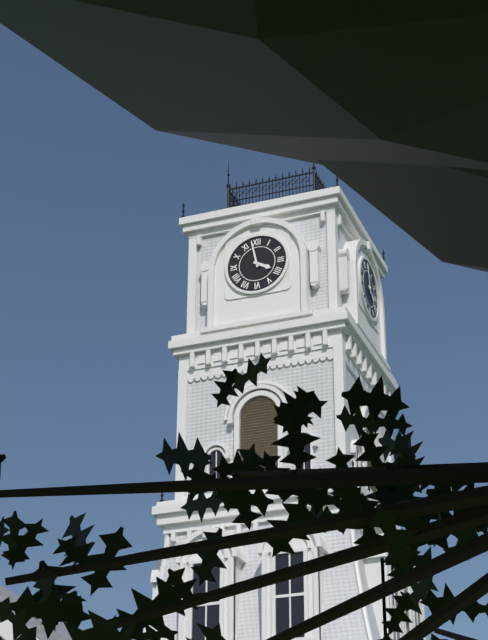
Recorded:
3.58
